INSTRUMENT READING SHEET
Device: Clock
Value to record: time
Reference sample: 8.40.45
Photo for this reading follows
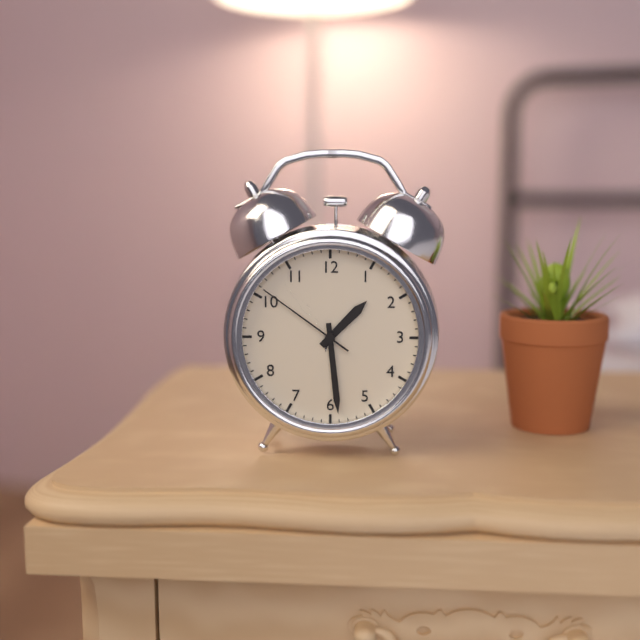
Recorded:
1.29.51
